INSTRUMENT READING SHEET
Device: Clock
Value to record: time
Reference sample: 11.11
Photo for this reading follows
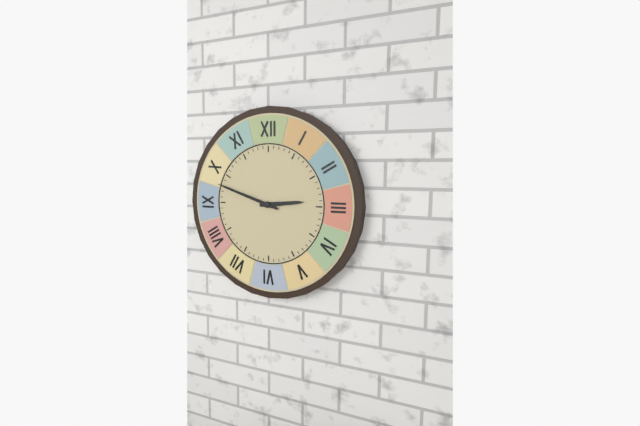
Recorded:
2.48
